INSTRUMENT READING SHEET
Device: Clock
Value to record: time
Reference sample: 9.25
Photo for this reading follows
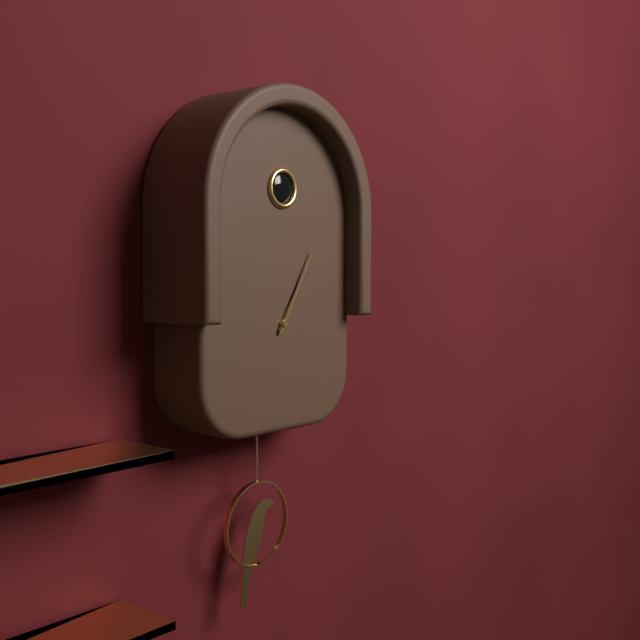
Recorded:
1.05
